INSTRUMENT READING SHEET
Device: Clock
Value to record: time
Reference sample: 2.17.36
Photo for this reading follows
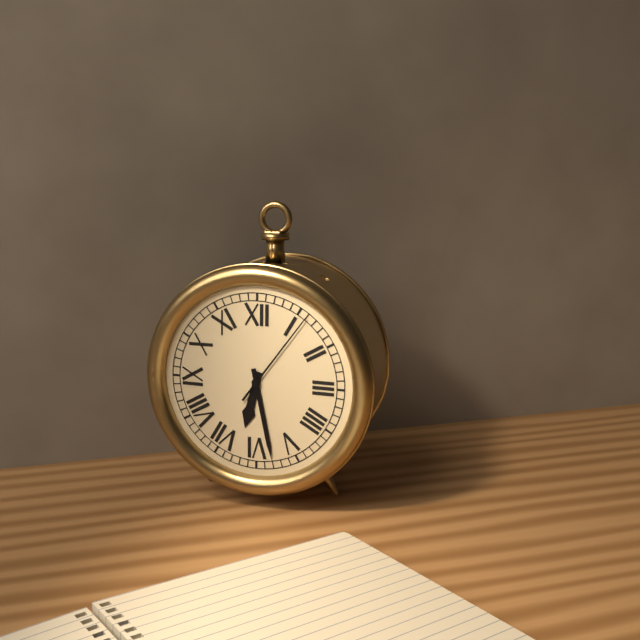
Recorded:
6.28.06
